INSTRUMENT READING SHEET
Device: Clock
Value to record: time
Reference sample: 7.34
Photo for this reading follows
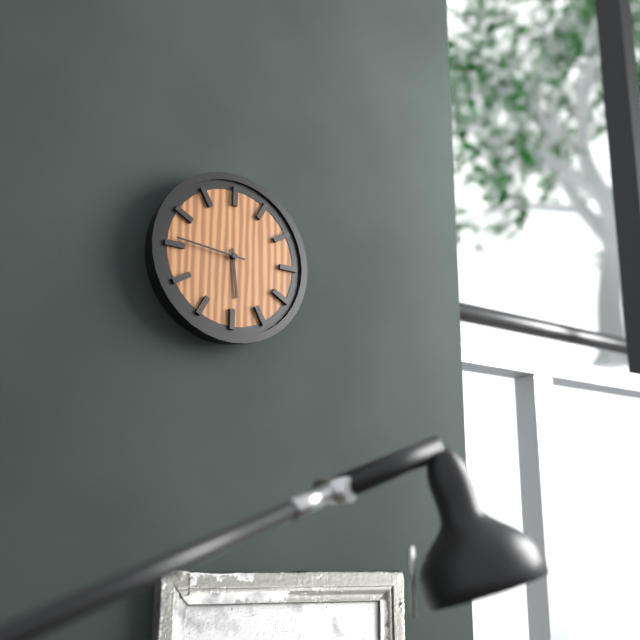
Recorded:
5.46
